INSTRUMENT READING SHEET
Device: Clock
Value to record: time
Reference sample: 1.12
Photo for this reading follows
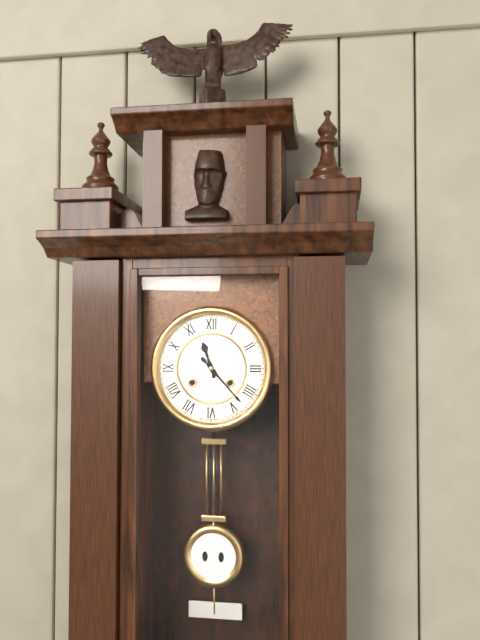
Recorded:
11.23
